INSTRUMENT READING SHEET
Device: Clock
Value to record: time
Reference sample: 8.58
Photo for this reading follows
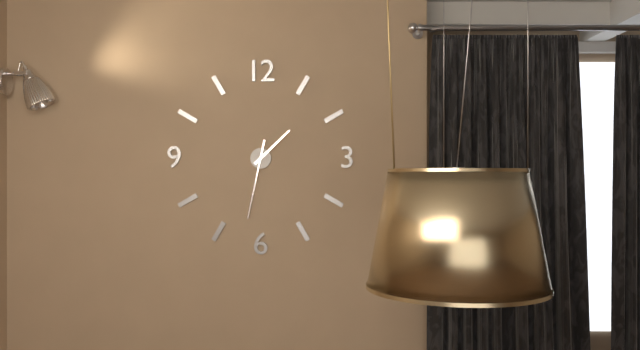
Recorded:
1.32
